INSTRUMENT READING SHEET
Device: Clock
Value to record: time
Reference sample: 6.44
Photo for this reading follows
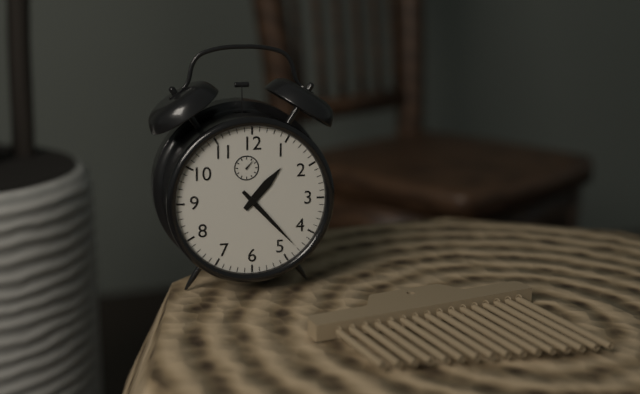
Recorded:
1.23
